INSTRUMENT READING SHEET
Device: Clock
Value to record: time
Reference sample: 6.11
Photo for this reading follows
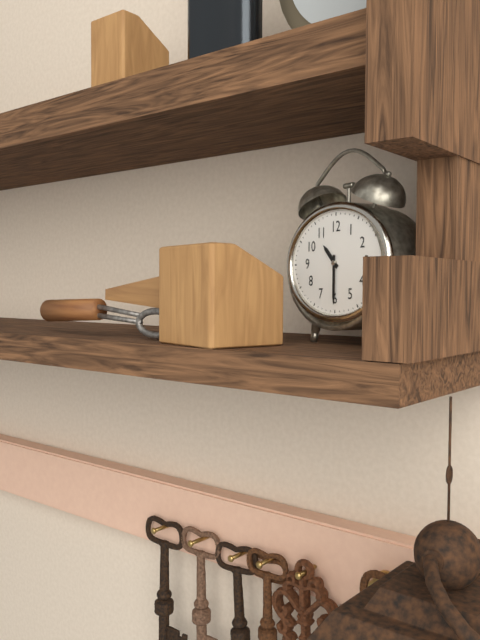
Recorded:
10.30
